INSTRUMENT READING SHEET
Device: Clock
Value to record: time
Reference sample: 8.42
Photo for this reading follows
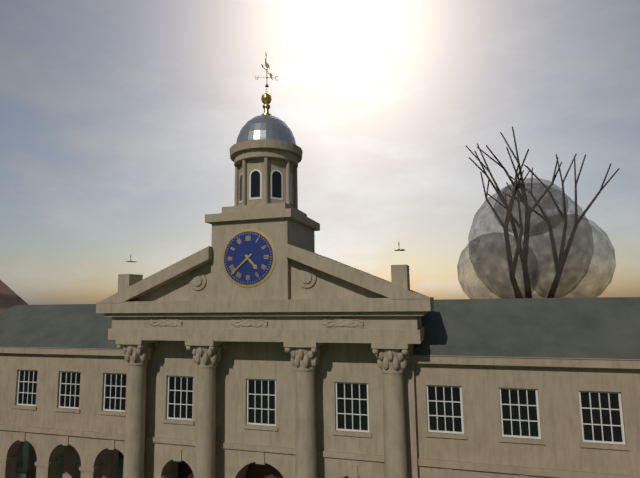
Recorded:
4.38
